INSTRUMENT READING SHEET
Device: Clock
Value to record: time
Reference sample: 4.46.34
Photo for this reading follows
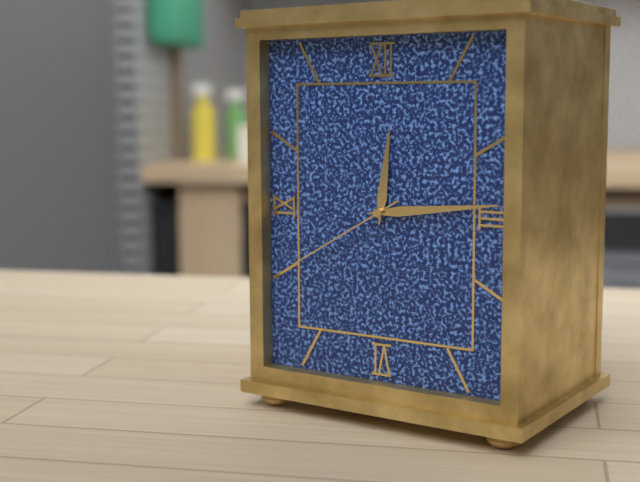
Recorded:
12.14.40
